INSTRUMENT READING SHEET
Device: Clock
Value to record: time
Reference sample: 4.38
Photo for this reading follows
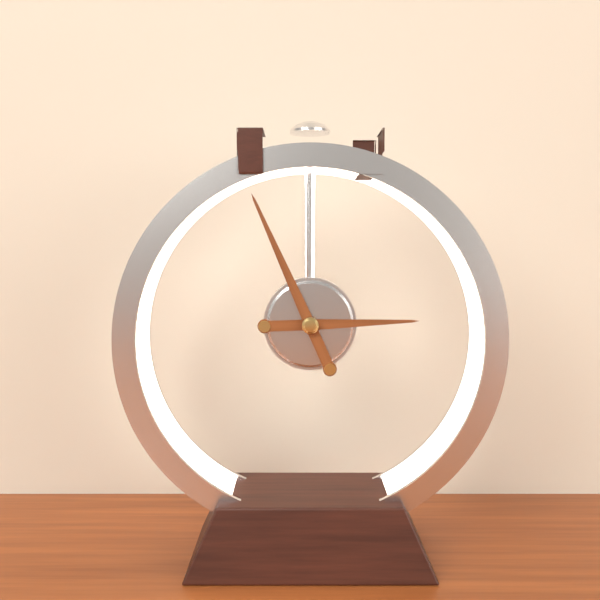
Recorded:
2.56
